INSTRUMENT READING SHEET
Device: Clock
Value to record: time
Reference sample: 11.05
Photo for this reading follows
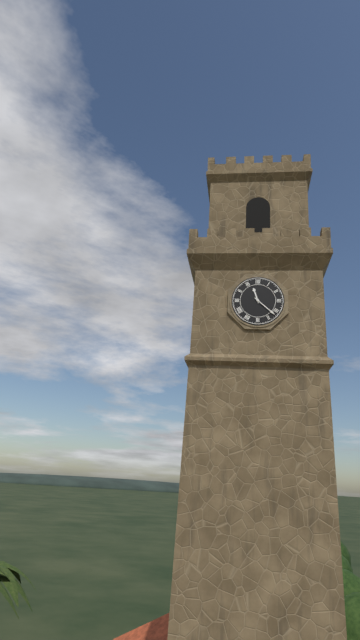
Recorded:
11.22
